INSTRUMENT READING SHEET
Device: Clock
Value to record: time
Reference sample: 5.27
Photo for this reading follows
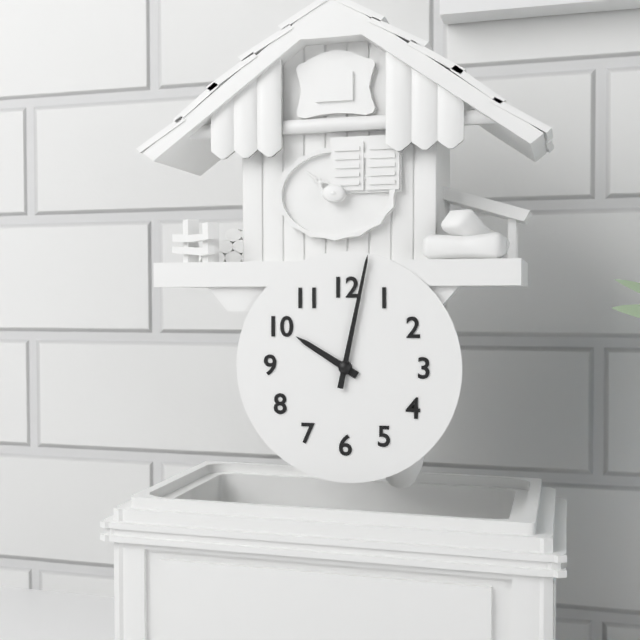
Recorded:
10.02
